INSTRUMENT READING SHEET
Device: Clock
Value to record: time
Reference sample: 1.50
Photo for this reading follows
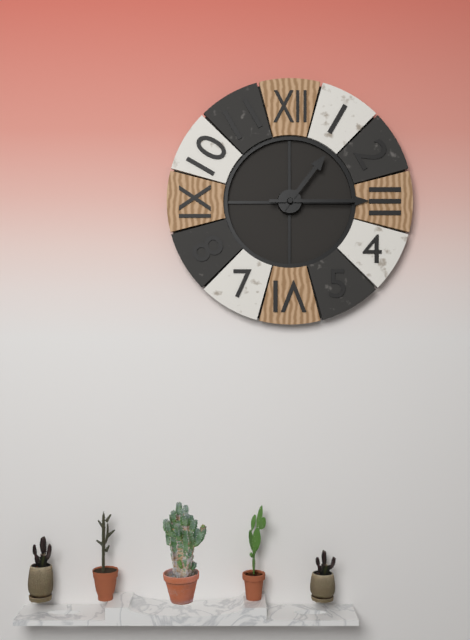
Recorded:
1.15
